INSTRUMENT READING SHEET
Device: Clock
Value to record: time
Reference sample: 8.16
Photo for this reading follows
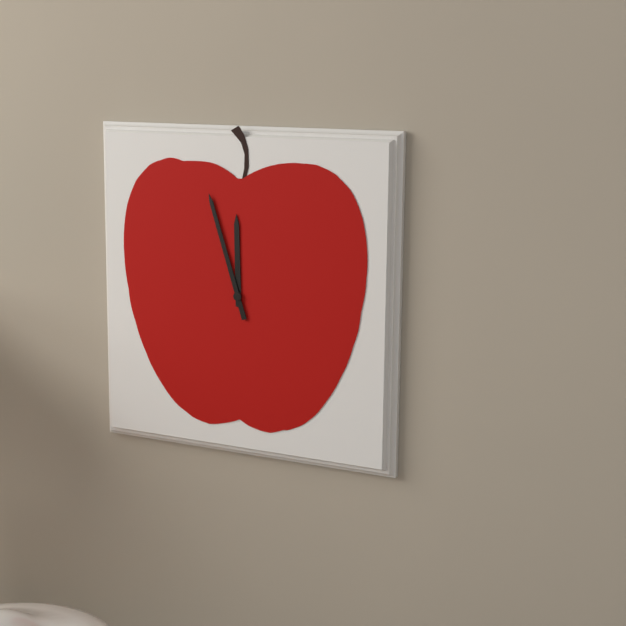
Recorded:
11.57
